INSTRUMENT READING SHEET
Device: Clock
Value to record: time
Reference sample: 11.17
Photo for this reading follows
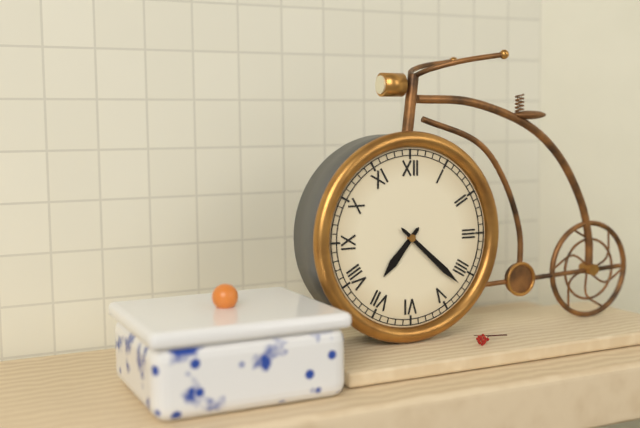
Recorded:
7.22
